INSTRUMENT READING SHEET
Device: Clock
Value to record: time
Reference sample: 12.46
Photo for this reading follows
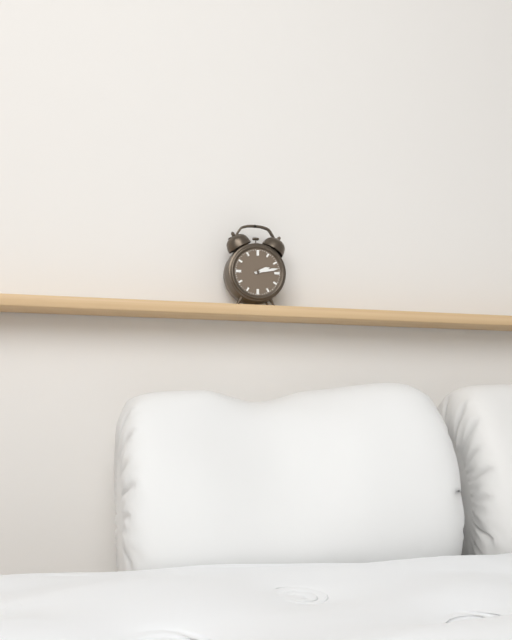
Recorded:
2.13
